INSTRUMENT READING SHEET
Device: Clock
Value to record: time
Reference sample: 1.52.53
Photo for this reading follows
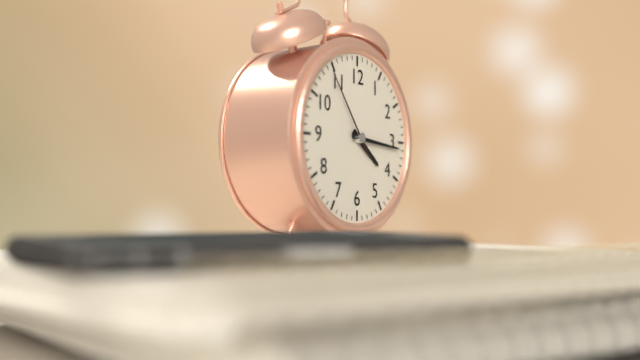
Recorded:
4.16.54
